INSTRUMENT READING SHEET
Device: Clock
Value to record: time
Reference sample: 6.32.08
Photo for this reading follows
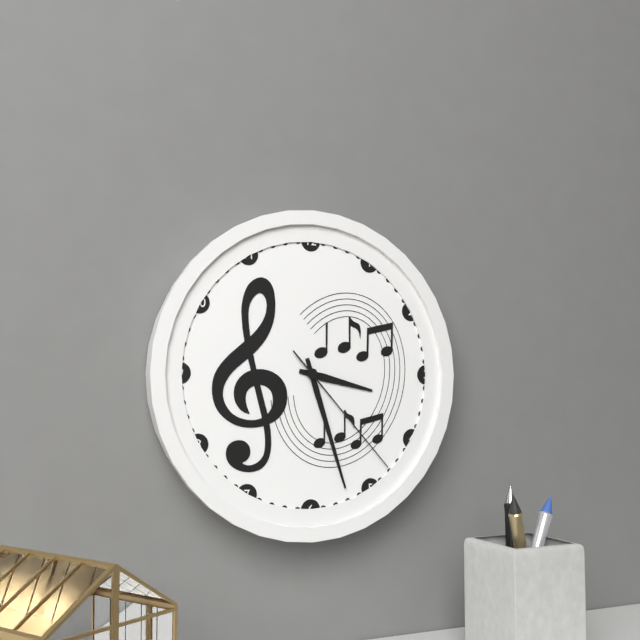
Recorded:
3.27.23
